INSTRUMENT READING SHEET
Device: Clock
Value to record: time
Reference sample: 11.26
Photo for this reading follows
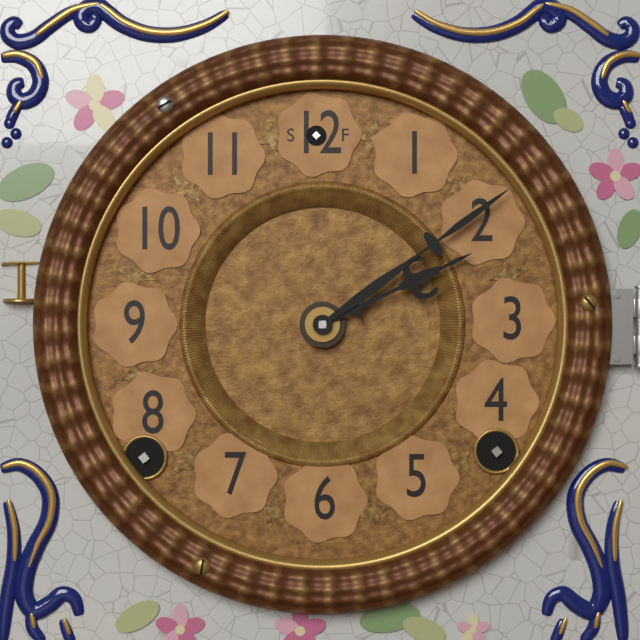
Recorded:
2.09
